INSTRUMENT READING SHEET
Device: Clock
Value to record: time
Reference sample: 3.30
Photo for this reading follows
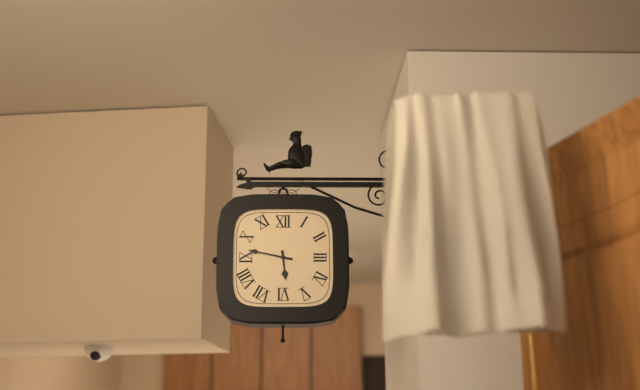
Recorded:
5.47
